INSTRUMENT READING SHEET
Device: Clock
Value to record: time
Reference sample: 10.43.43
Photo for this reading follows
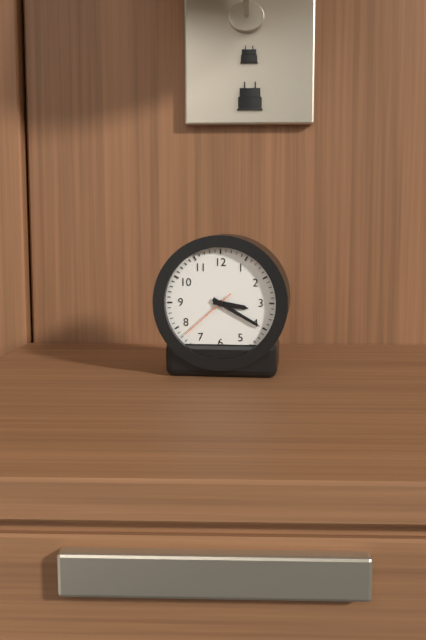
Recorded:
3.20.38
